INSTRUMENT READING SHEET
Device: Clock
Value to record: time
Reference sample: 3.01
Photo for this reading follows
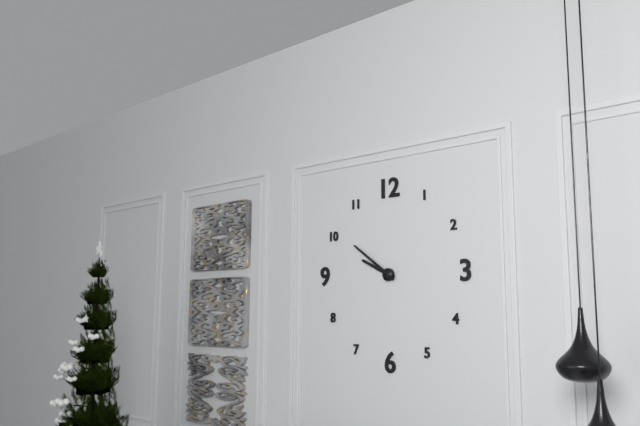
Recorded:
9.51
